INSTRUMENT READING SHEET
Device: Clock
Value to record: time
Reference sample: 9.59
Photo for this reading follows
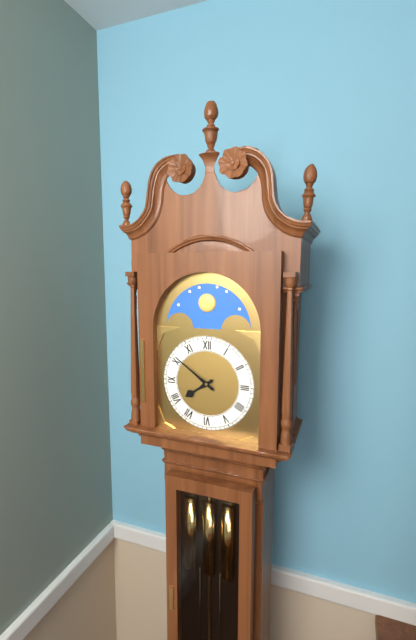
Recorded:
7.51
